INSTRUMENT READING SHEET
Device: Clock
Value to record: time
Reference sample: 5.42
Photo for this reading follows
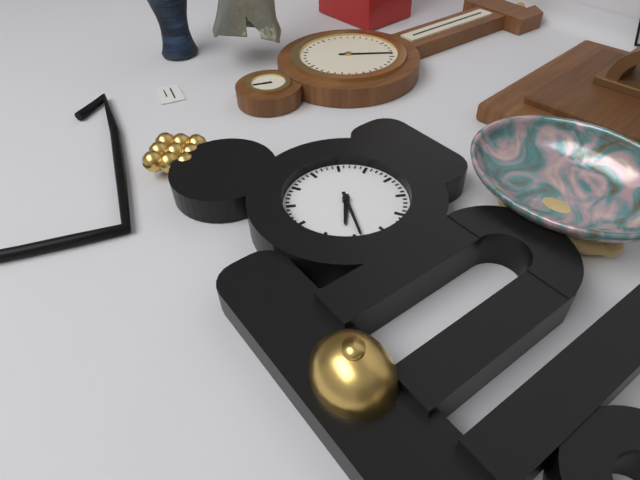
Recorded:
4.19
